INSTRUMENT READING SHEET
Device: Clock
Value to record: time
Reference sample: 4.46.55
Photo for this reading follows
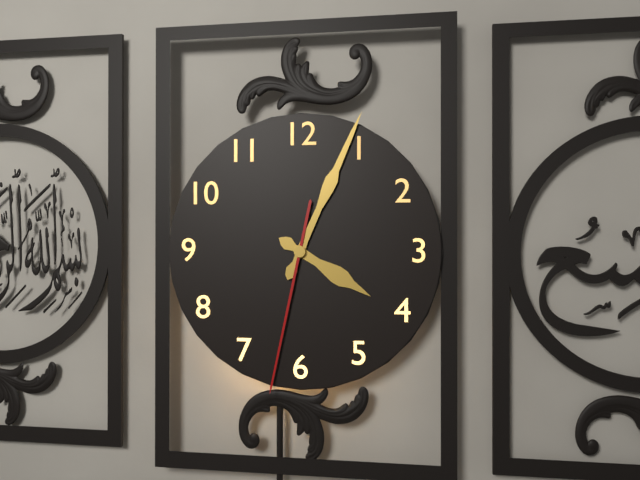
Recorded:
4.04.32
